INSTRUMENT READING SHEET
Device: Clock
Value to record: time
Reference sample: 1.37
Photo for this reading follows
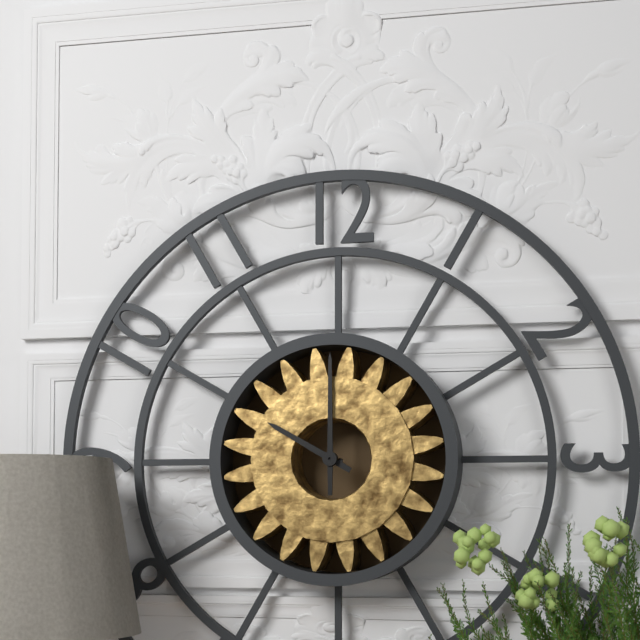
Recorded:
10.00
